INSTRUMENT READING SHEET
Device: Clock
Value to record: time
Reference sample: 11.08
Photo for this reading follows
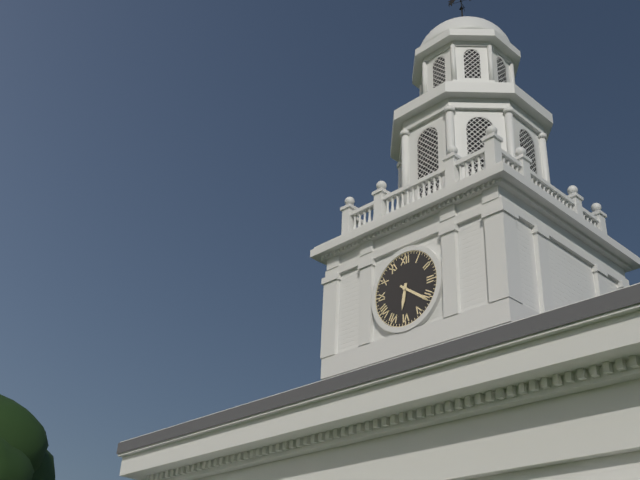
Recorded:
6.21
